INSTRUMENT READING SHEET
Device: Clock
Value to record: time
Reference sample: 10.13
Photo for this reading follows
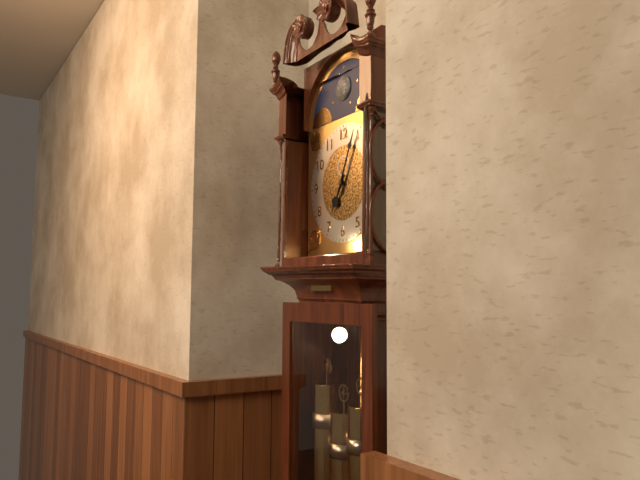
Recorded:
7.04
